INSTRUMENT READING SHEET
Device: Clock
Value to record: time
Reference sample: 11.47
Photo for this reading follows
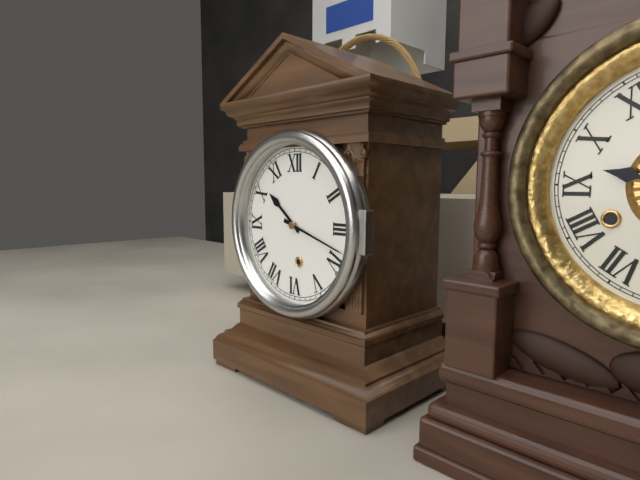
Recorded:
10.18
